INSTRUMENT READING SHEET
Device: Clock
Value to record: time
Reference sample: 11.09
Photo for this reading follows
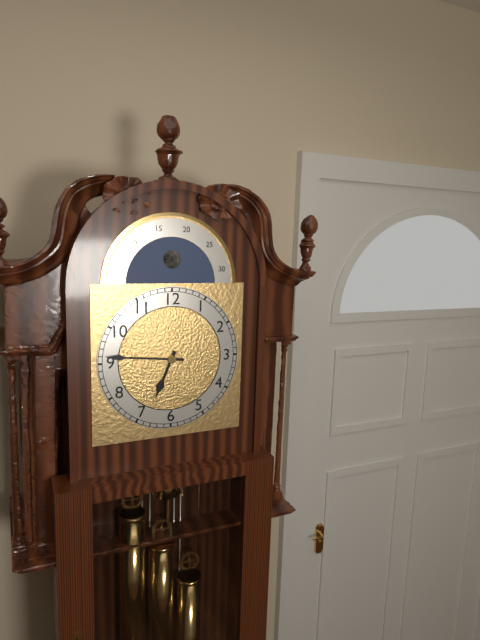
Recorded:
6.46
